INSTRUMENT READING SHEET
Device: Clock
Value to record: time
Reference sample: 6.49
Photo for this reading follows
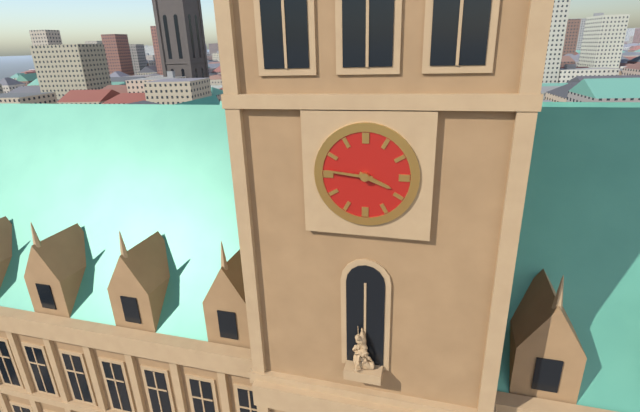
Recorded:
3.46
